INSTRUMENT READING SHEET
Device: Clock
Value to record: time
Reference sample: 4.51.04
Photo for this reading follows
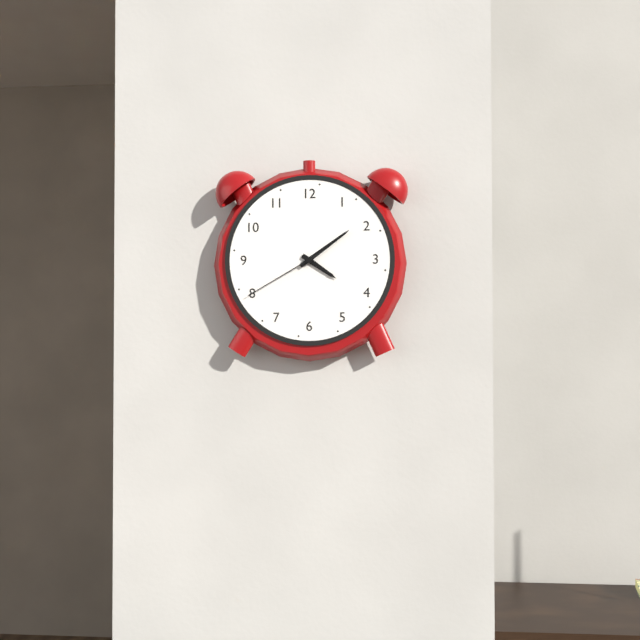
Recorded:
4.09.40
